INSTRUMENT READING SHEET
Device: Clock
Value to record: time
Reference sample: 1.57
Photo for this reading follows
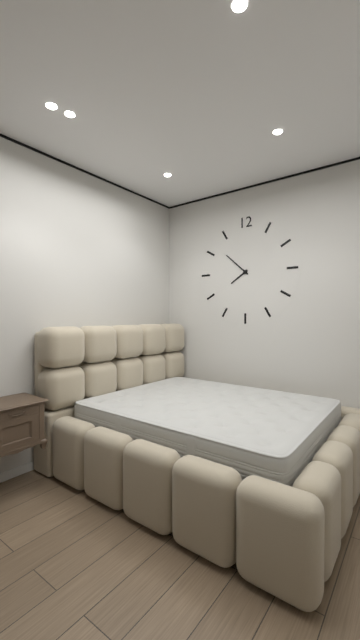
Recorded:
7.52
